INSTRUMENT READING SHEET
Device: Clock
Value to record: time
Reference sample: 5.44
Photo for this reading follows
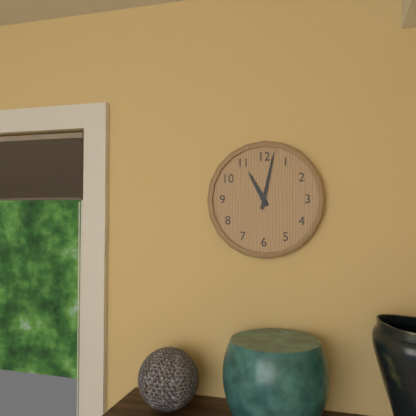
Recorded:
11.02
